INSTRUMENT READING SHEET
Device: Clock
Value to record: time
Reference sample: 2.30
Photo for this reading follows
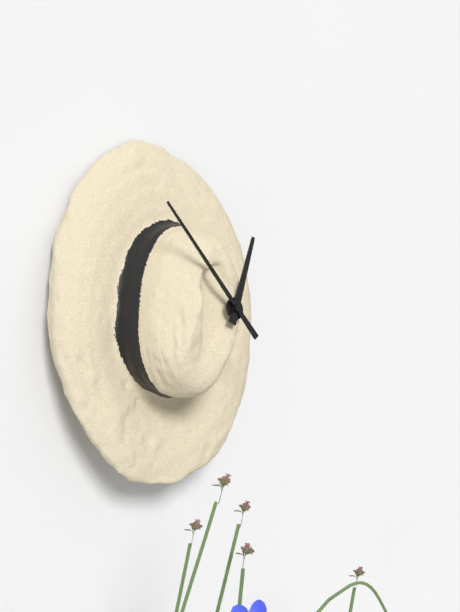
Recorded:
12.54
